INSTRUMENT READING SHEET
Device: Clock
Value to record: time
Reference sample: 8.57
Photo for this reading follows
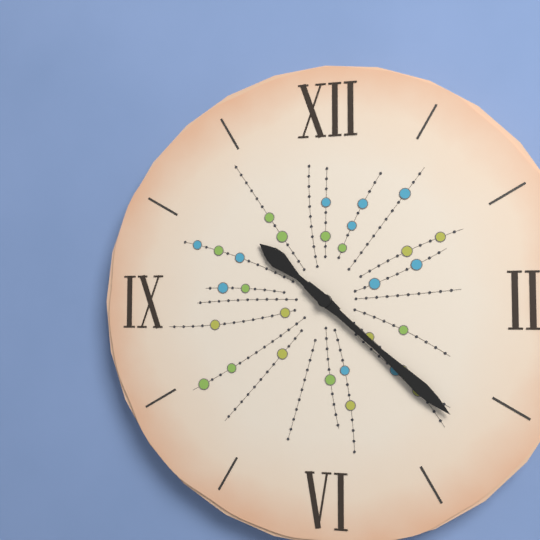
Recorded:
10.22
